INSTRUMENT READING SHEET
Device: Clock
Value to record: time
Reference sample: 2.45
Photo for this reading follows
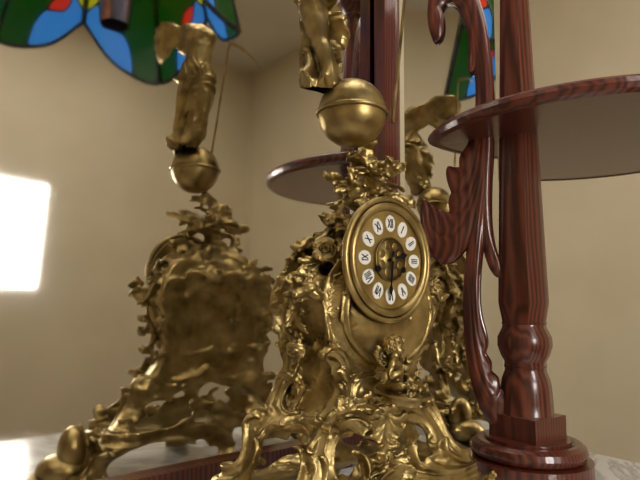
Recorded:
2.31
